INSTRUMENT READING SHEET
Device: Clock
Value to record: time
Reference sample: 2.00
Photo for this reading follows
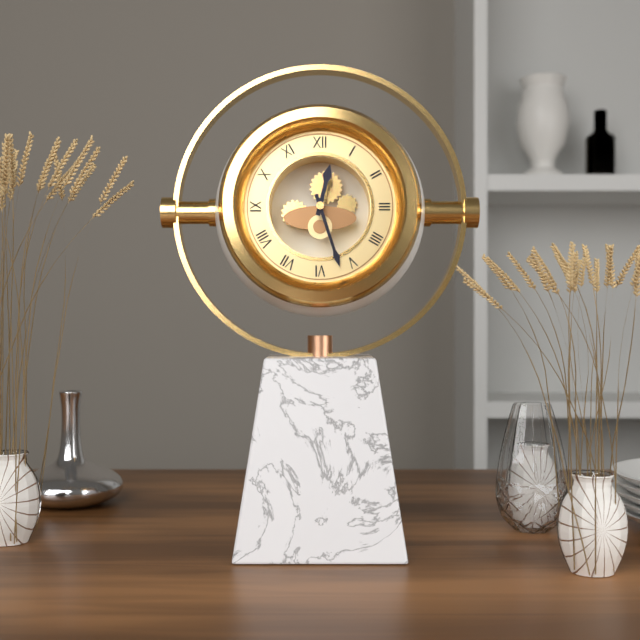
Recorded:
12.27
